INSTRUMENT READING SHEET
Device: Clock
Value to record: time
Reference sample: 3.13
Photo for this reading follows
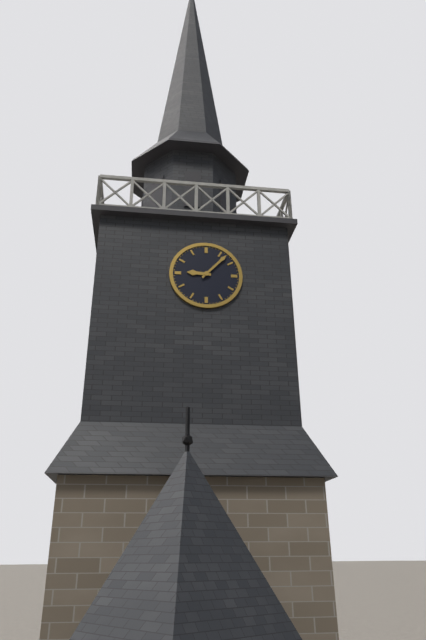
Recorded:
9.07
